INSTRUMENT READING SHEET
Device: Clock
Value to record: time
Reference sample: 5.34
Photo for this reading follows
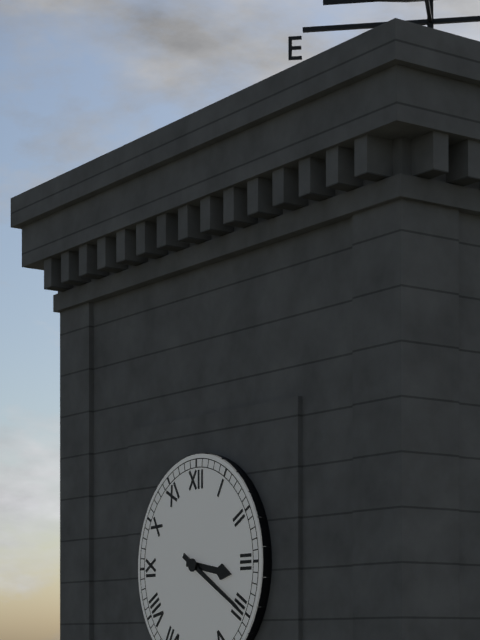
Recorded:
3.20
